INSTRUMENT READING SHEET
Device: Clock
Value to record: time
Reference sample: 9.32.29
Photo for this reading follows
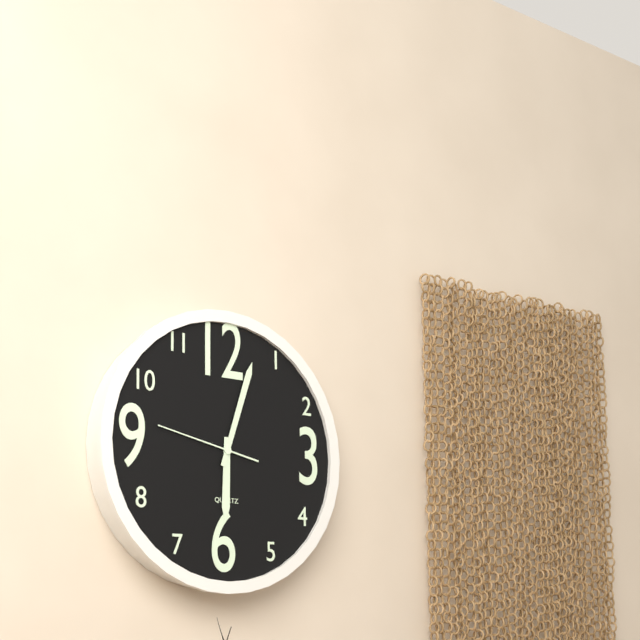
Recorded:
6.03.47
